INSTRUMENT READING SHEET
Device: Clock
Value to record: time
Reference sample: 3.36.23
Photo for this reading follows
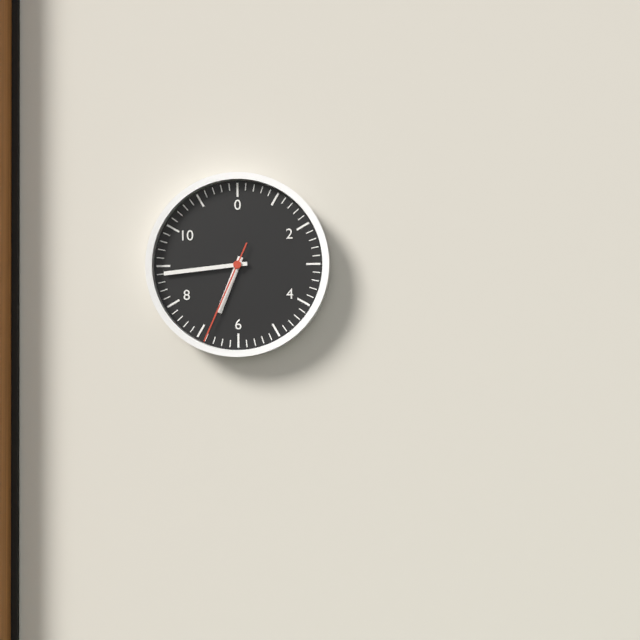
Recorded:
6.44.34
